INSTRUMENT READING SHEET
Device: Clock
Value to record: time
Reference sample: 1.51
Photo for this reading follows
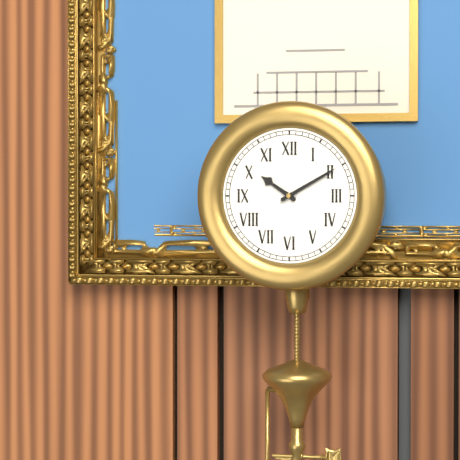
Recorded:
10.10
